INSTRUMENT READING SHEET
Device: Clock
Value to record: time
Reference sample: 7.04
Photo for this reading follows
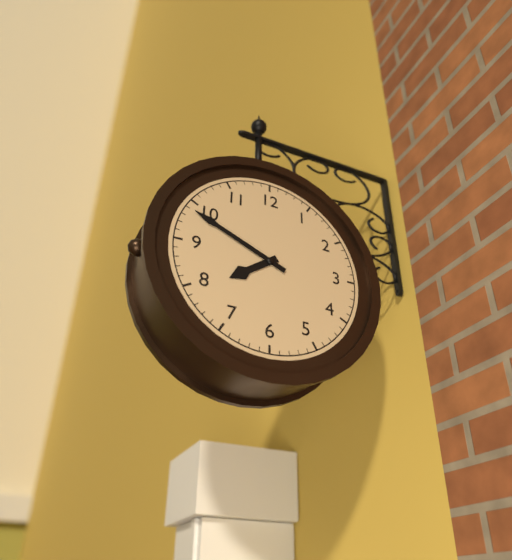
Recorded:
7.49
